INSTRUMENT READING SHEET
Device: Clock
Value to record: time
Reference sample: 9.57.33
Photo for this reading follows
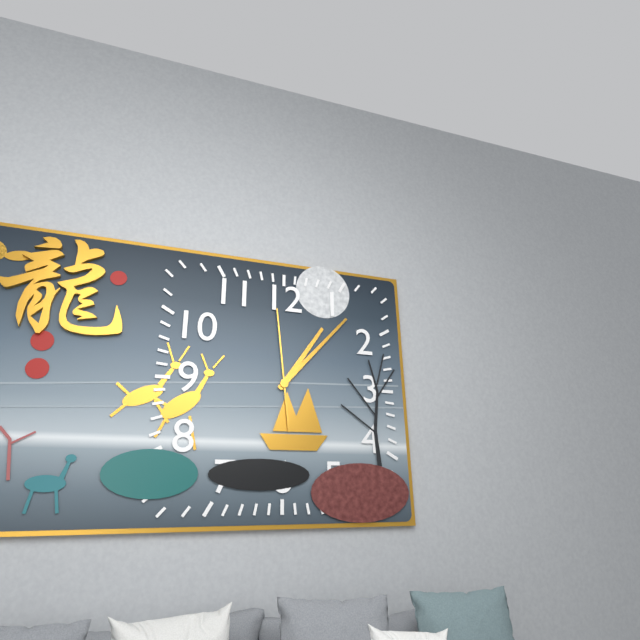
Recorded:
1.07.59
